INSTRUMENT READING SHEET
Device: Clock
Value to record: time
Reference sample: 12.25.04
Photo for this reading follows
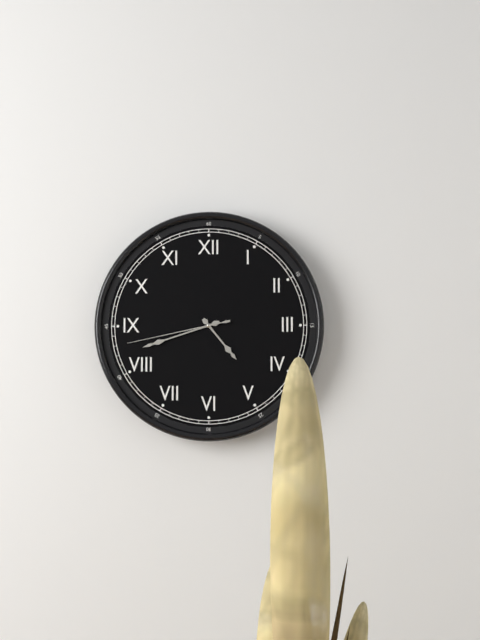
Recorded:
4.42.43
